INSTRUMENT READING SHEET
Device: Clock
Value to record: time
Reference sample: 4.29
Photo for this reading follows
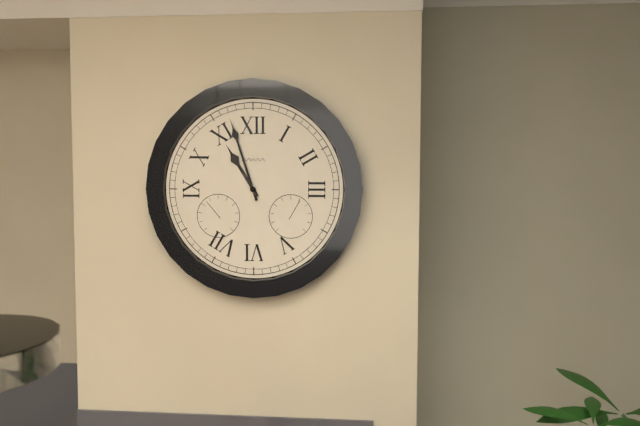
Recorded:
10.57
